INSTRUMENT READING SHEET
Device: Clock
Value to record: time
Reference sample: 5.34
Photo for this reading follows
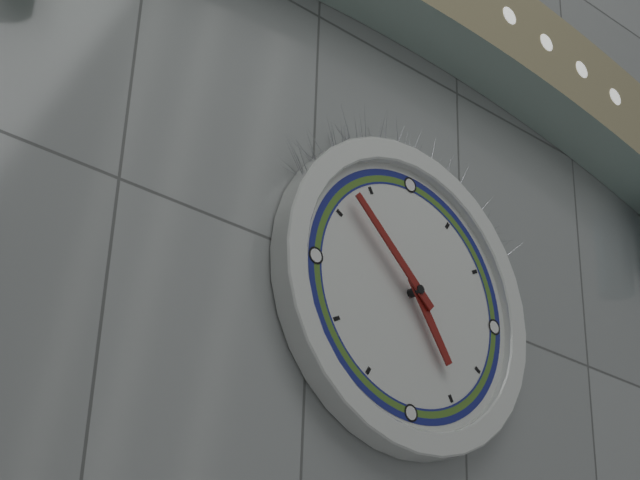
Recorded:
4.52
